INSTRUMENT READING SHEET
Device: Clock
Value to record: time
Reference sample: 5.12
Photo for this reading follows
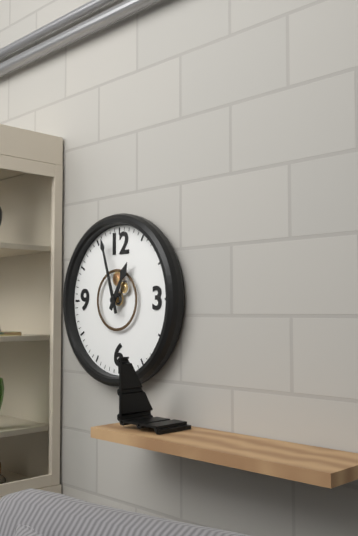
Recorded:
12.57
